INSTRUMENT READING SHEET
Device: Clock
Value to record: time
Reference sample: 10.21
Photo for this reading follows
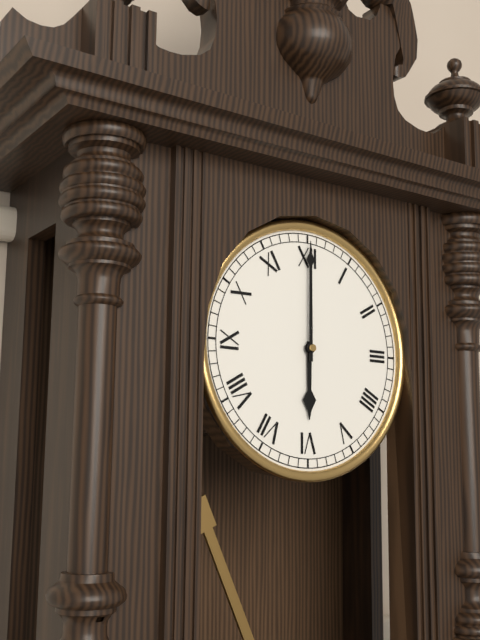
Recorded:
6.00
